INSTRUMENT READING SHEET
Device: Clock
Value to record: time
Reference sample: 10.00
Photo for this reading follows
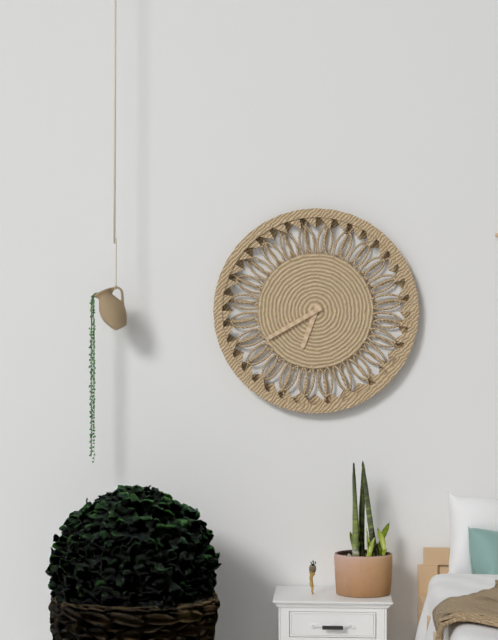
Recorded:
6.40
